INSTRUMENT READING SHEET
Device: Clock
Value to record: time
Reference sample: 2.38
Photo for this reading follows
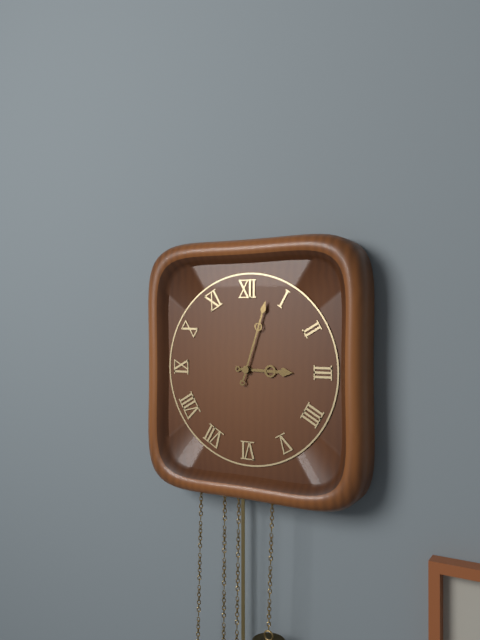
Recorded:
3.03
